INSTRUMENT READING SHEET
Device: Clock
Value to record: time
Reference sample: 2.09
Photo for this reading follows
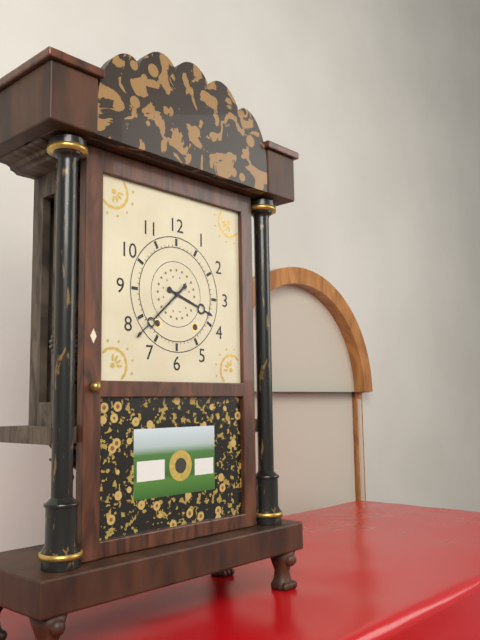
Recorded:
3.38
